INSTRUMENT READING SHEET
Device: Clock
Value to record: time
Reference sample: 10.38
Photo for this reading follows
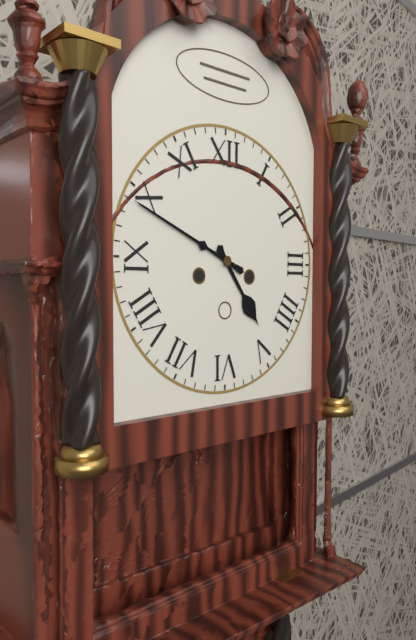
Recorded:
4.49
